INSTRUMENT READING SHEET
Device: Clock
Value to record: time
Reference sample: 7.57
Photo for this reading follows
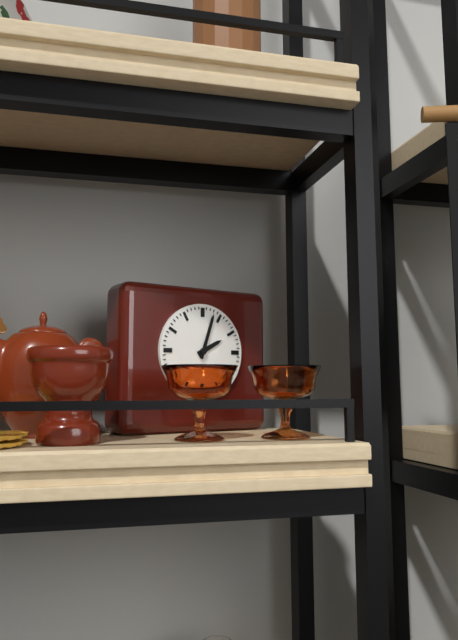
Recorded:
2.03
